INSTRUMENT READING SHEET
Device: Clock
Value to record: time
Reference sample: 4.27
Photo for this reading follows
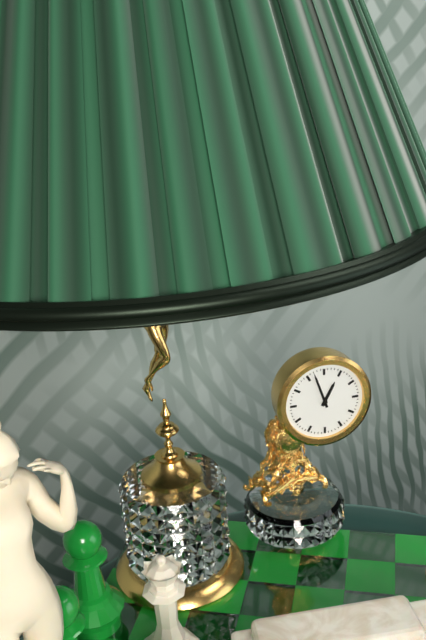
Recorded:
12.57
